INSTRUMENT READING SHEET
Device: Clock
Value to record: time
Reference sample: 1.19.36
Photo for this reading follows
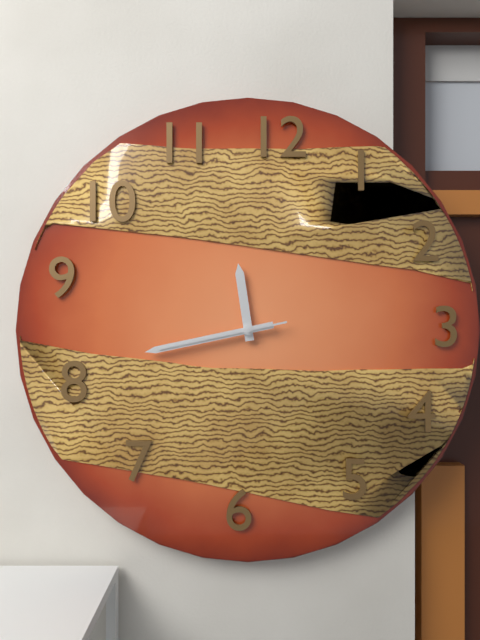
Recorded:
11.43.43
